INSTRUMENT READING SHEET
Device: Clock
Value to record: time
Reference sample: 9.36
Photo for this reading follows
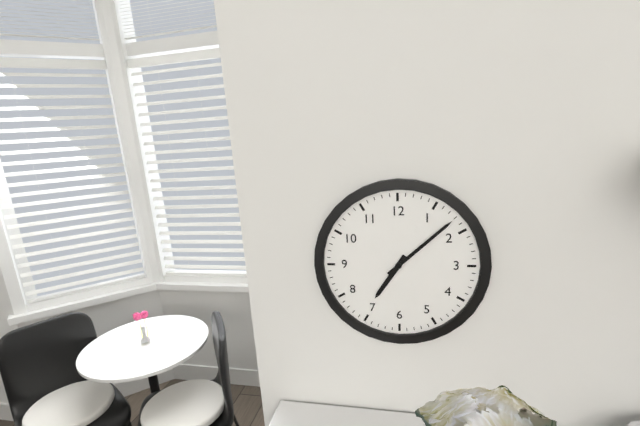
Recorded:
7.08
